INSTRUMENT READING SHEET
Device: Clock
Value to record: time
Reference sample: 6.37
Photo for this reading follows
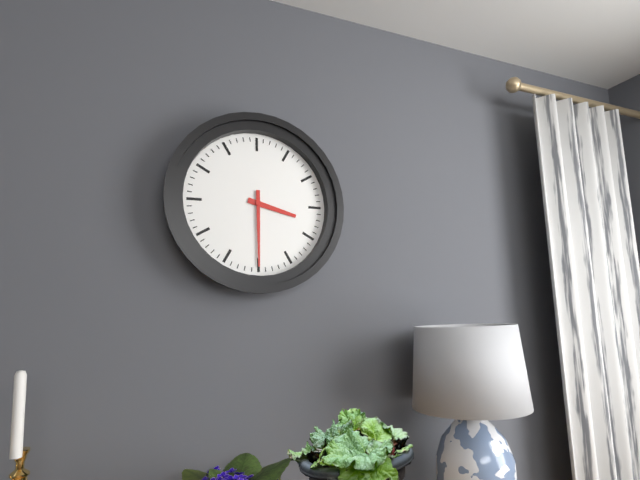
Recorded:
3.30
